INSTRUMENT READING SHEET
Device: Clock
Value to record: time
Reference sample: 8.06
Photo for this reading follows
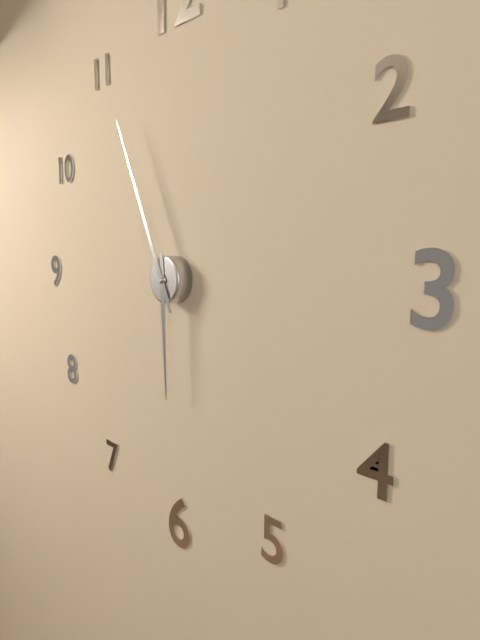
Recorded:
5.56
